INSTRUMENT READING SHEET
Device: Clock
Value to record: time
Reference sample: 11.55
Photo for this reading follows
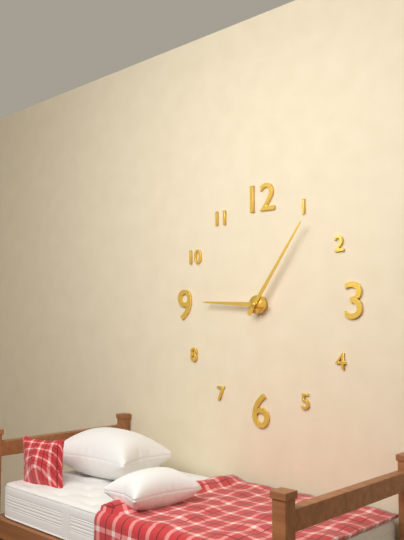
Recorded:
9.06
